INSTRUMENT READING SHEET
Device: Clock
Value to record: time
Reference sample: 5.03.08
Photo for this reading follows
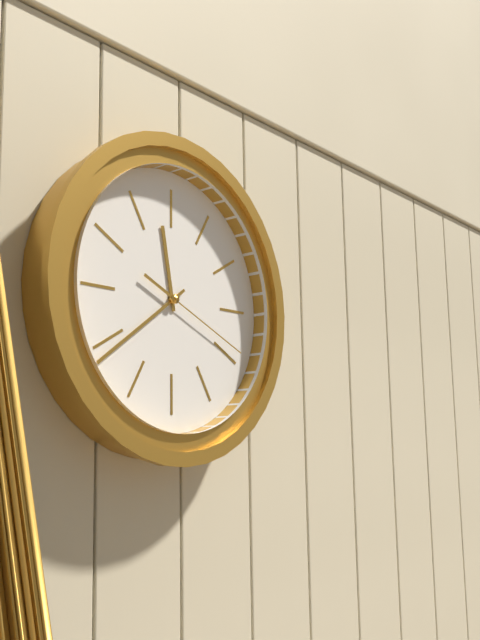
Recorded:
11.39.19
